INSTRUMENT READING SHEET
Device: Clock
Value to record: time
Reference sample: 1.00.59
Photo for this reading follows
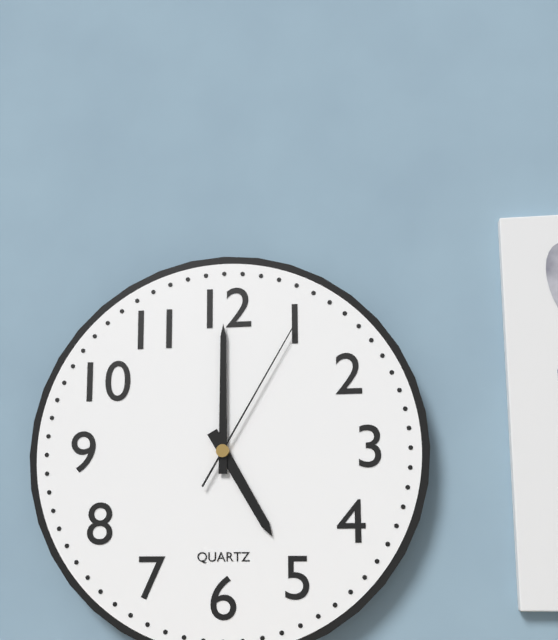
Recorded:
5.00.05
